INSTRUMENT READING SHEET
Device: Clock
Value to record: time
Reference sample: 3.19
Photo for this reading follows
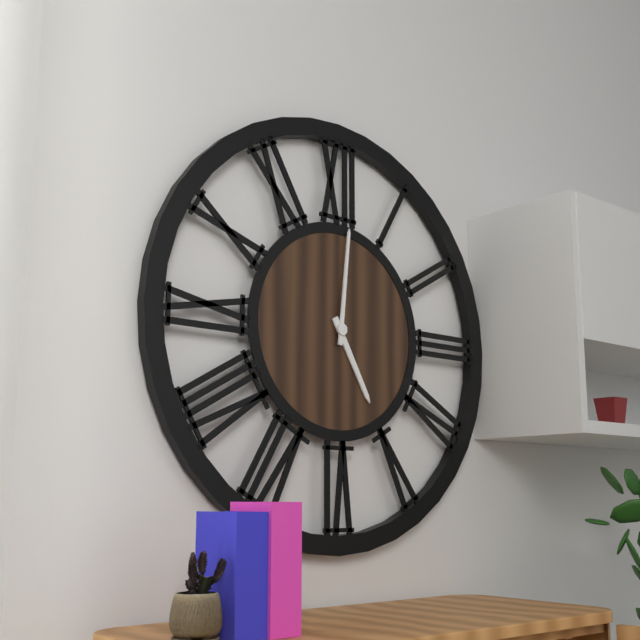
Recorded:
5.01
